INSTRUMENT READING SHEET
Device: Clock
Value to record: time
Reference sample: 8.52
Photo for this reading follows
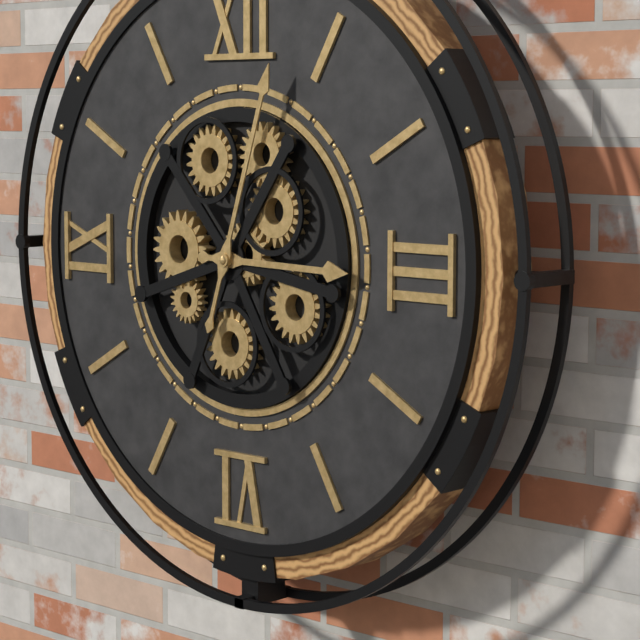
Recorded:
3.03
